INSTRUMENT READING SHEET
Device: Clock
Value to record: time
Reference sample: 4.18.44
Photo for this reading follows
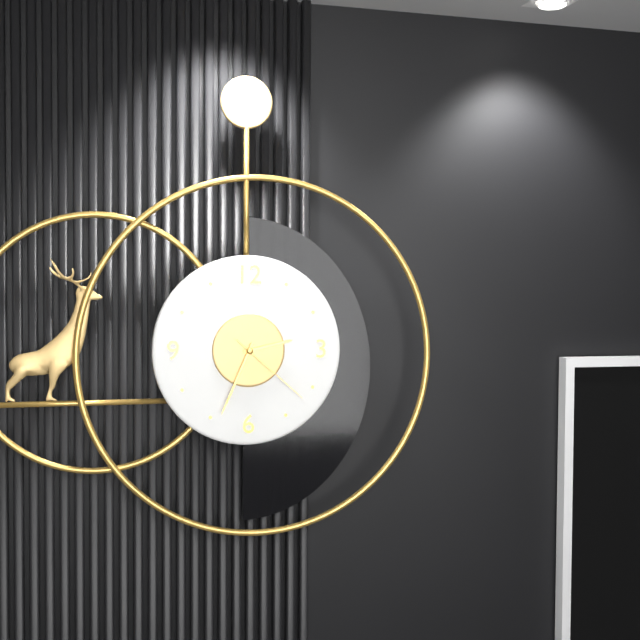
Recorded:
2.34.22
